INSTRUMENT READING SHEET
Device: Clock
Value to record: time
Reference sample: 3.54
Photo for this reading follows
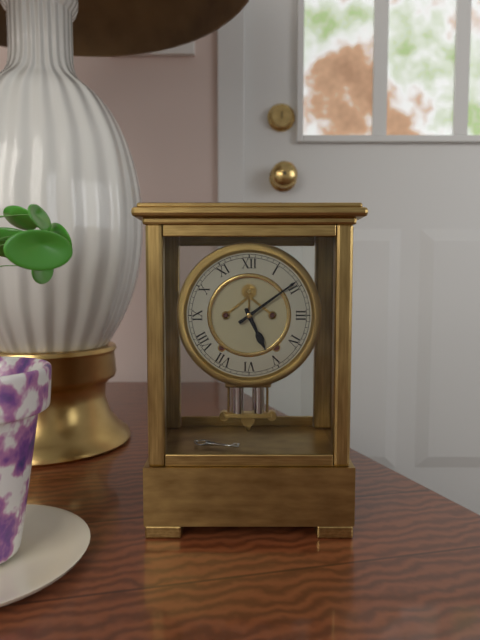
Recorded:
5.09
